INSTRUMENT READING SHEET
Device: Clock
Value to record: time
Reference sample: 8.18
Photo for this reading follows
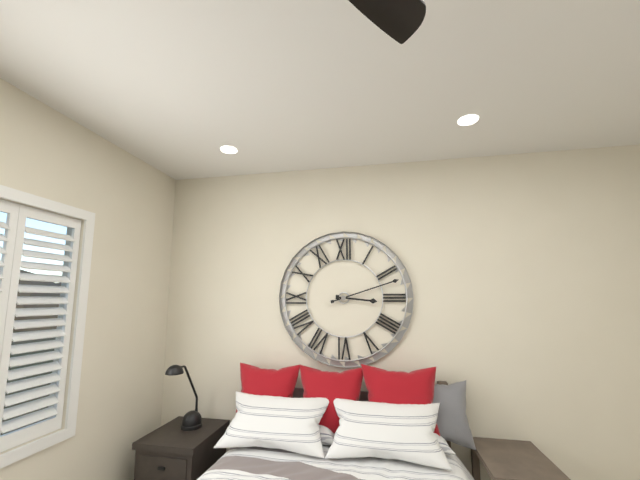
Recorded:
3.12
